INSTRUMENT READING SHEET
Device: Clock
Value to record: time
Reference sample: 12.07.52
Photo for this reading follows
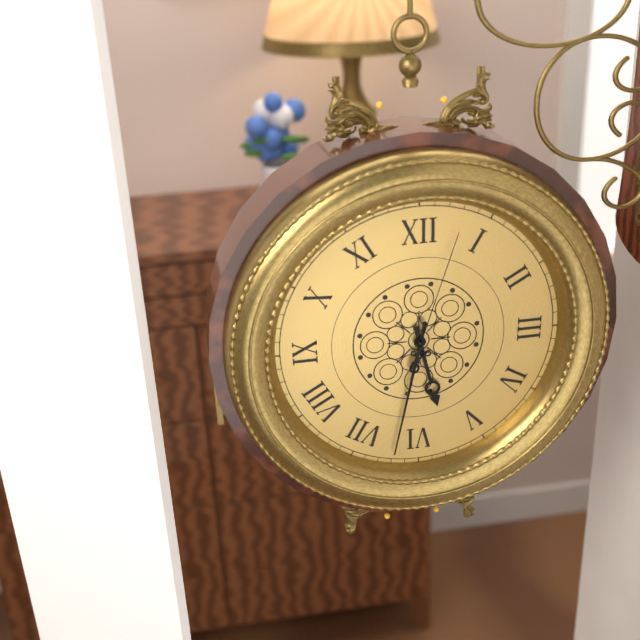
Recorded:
5.32.03
